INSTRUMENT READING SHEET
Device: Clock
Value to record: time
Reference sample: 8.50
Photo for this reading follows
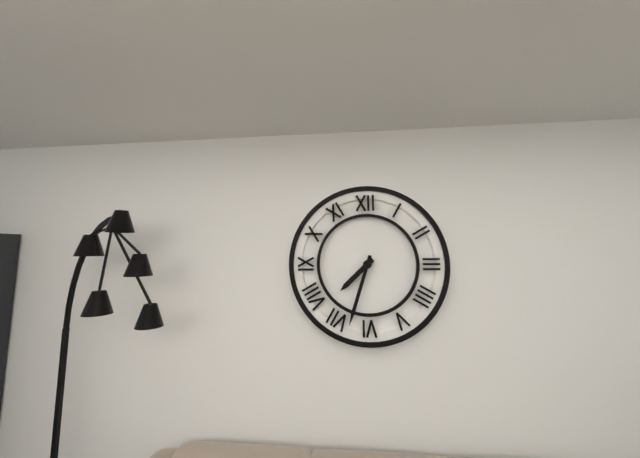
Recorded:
7.33
